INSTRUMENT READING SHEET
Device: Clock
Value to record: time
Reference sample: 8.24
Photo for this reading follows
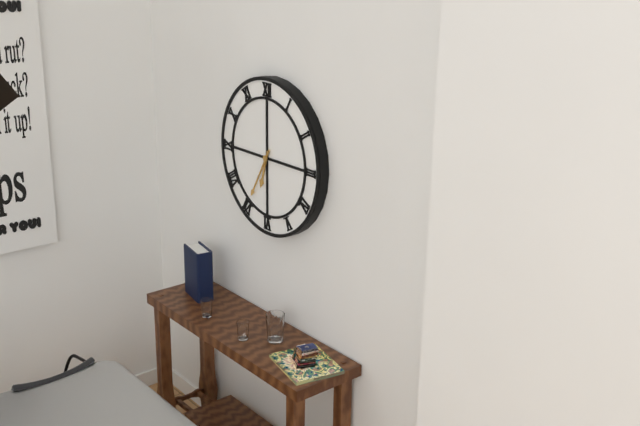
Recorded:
6.35
